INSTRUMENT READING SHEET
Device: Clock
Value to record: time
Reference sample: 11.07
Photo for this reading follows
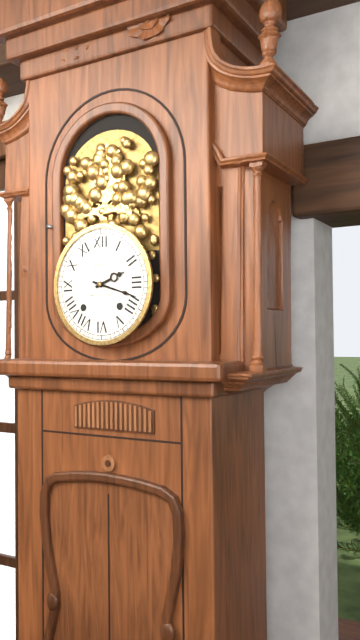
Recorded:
2.18
